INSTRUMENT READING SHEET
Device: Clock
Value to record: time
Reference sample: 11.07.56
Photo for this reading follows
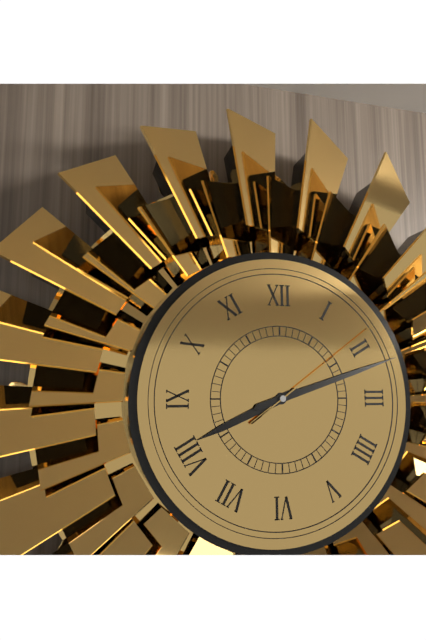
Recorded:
8.12.09
